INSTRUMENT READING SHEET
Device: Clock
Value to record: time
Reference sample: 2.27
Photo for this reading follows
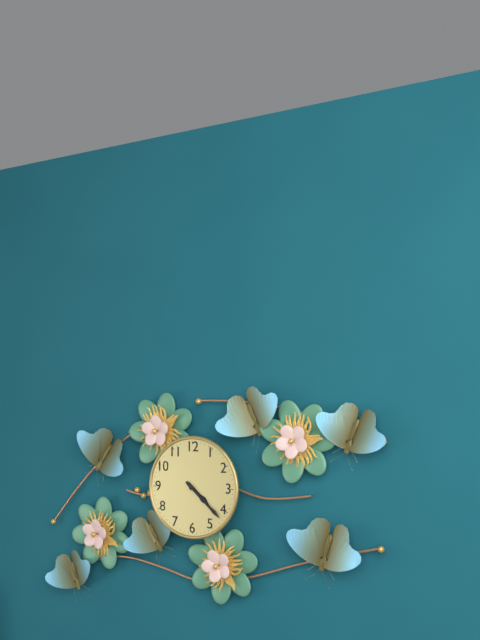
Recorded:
4.22
